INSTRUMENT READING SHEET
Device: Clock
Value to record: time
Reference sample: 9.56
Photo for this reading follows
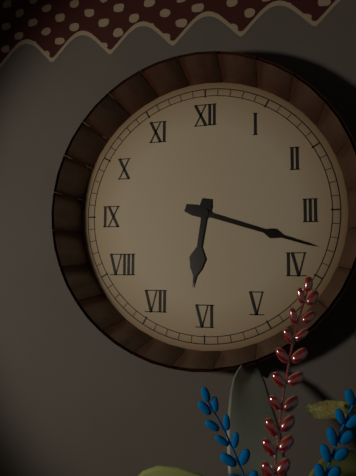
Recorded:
6.18
